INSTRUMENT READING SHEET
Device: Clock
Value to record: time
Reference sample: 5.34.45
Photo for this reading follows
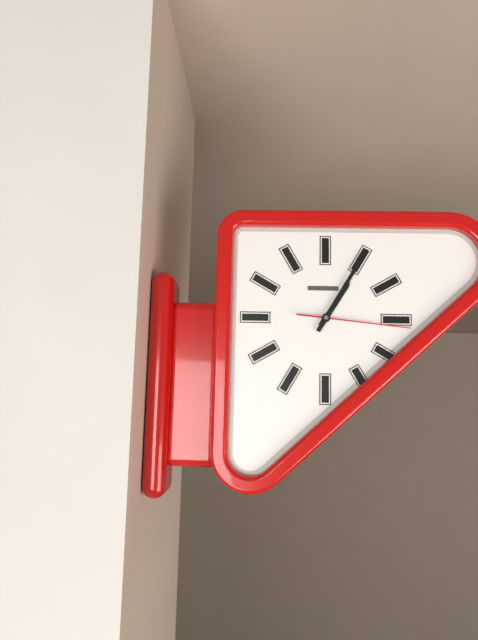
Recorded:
1.05.16
